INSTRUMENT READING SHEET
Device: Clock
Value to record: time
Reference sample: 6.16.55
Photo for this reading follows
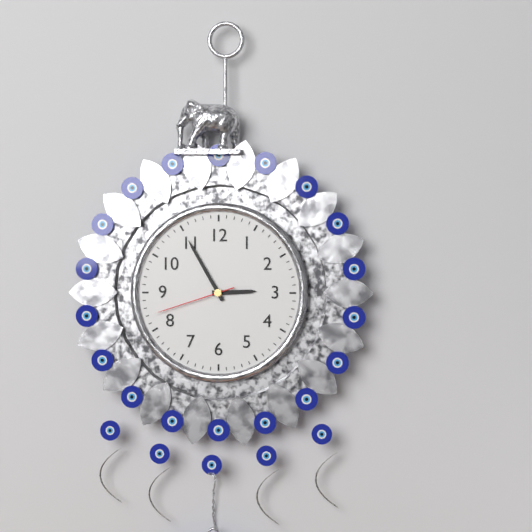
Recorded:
2.55.42
